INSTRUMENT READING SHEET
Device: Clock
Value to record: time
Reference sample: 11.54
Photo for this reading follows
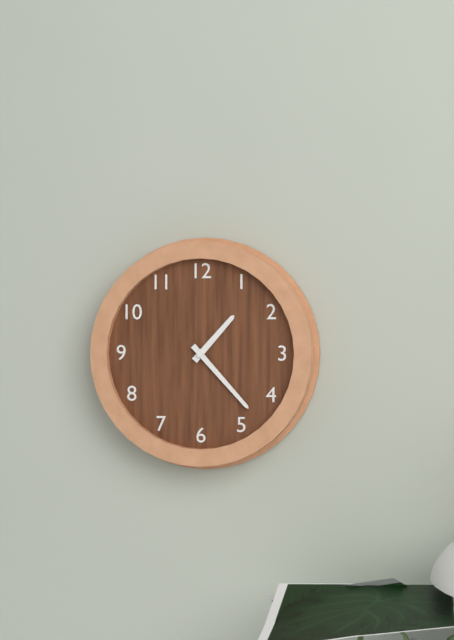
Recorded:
1.23
